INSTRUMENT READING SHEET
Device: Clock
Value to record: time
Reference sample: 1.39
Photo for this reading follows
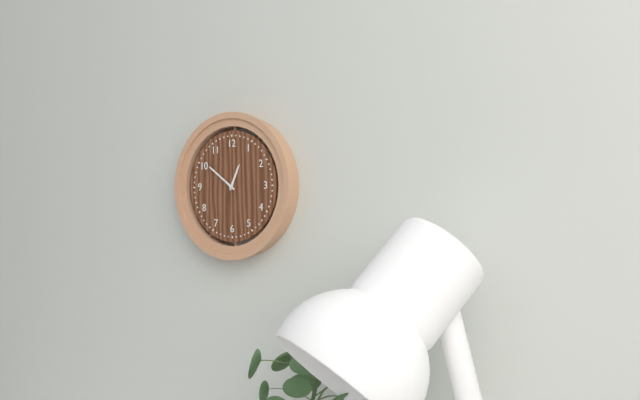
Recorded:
12.51
